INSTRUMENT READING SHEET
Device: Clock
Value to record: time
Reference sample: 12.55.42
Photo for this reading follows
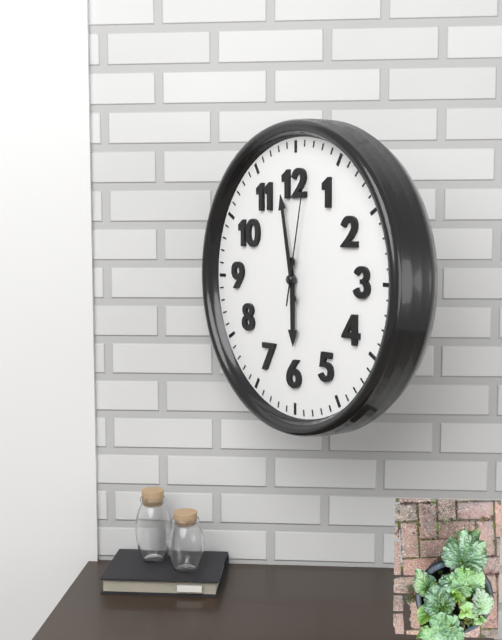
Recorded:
5.58.02
